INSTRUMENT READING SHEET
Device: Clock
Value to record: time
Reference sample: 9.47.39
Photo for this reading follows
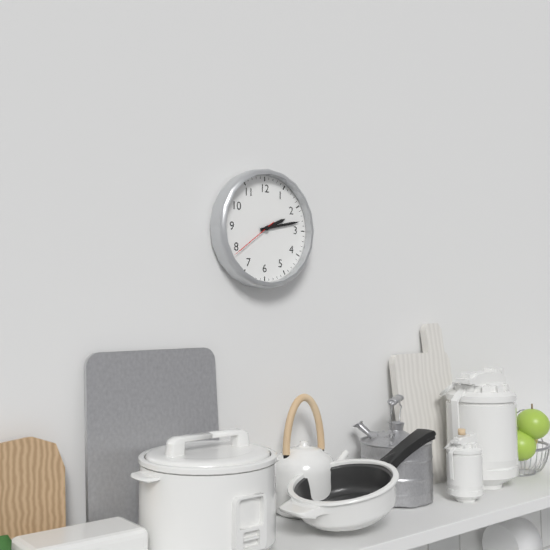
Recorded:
2.13.39
